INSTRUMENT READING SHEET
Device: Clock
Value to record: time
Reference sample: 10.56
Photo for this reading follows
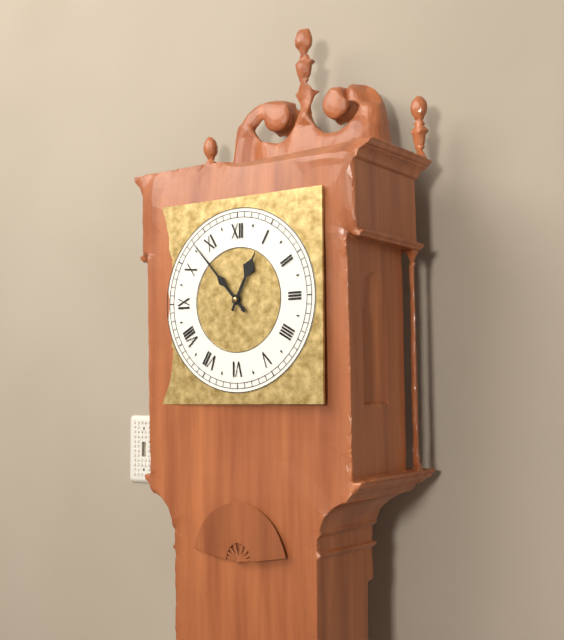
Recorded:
12.53
